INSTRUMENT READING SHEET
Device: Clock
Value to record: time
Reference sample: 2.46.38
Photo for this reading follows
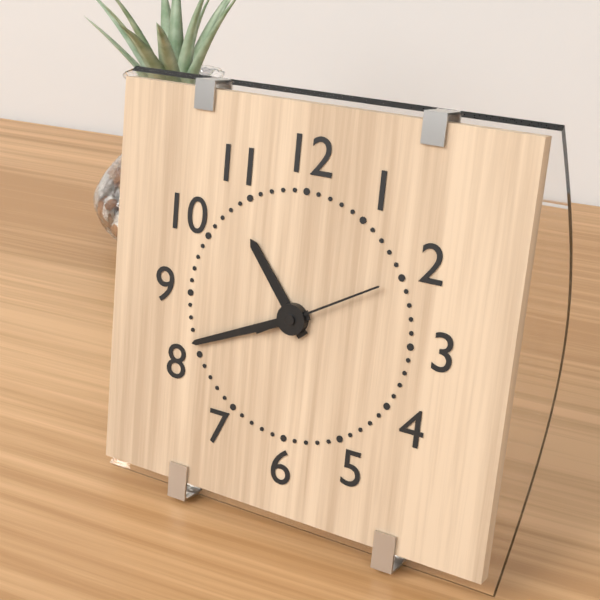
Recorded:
10.41.10
